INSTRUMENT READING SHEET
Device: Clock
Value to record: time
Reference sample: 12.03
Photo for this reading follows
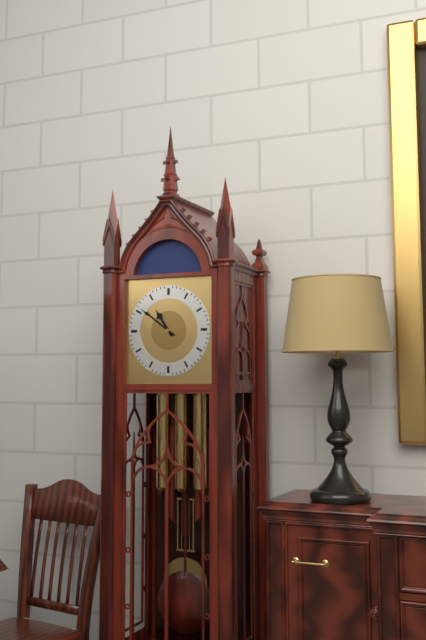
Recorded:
10.51
